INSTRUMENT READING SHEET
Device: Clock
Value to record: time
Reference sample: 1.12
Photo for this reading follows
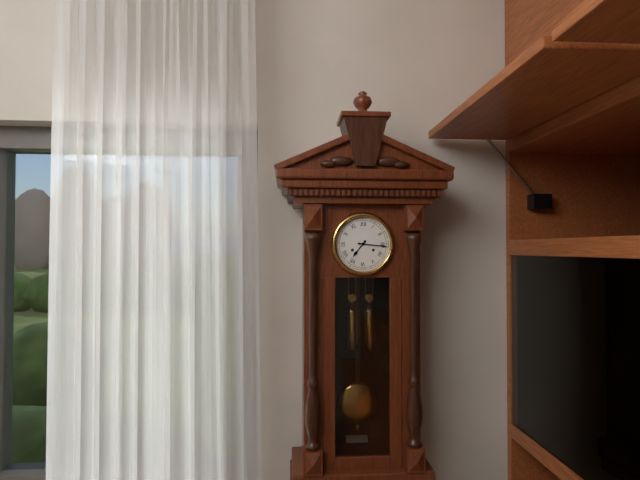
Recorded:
7.16
